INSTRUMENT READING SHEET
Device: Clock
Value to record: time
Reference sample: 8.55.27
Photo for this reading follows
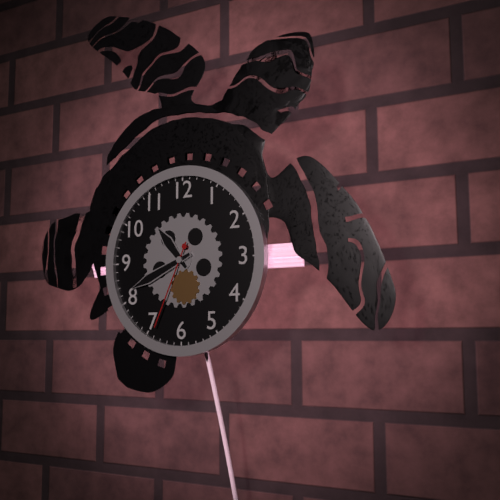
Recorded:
10.41.34
